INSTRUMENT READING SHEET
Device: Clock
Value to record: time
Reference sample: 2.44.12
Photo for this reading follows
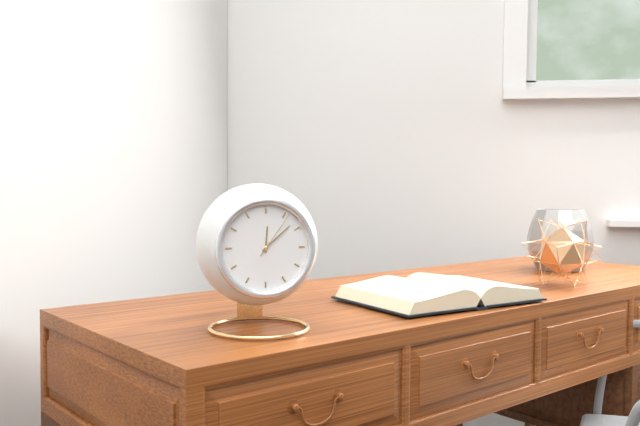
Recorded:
12.08.06
